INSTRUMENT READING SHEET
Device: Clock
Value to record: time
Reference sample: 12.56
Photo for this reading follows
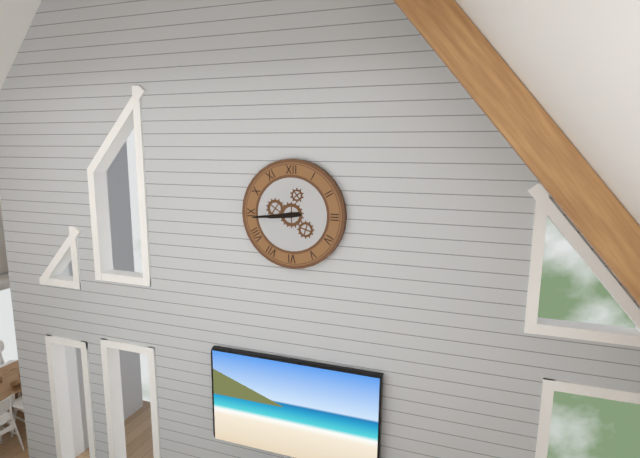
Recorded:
8.44
